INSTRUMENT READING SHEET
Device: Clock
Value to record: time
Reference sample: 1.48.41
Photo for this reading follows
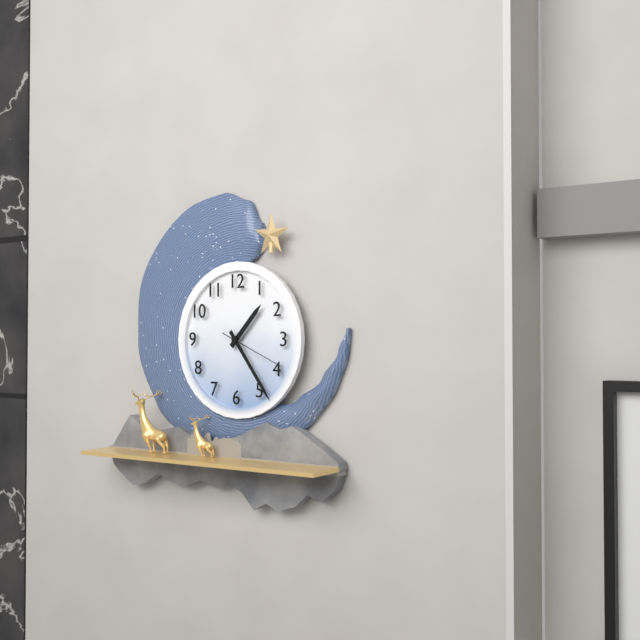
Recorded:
1.24.19
